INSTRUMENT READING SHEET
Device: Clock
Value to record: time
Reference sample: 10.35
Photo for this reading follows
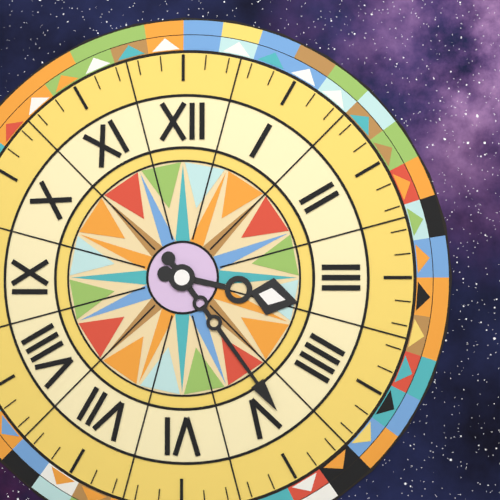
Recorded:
3.24
